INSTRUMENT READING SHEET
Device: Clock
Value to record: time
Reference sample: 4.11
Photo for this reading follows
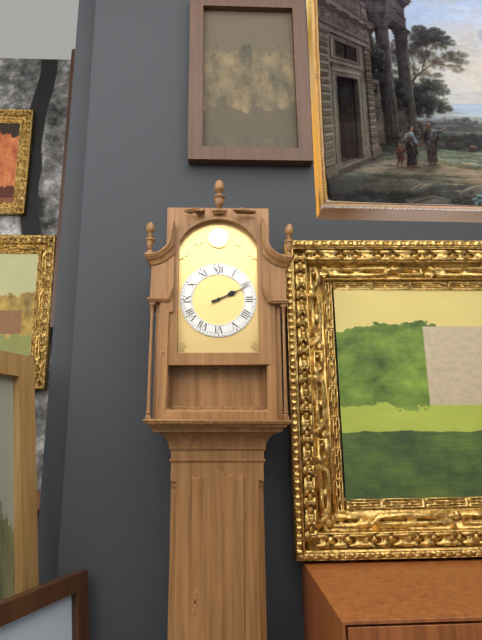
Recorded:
2.11
